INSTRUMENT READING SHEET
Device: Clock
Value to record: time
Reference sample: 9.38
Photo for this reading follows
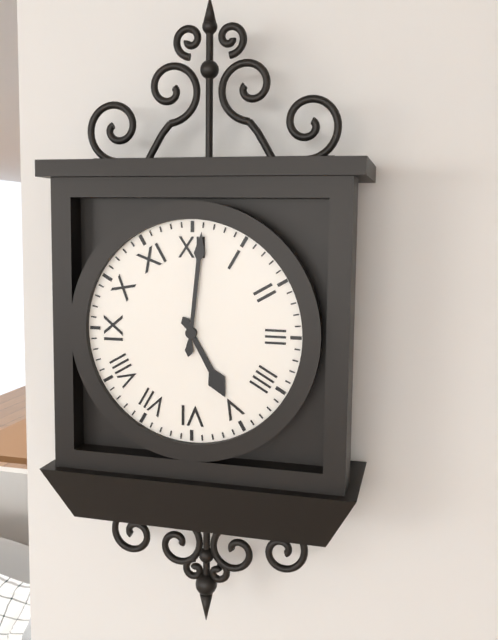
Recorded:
5.01
